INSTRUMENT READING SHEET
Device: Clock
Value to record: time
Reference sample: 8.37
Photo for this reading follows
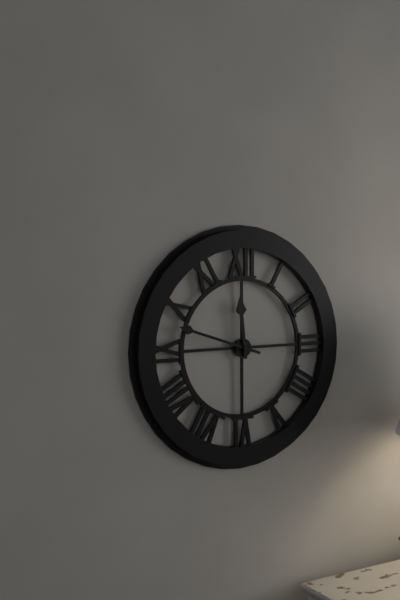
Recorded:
11.48
